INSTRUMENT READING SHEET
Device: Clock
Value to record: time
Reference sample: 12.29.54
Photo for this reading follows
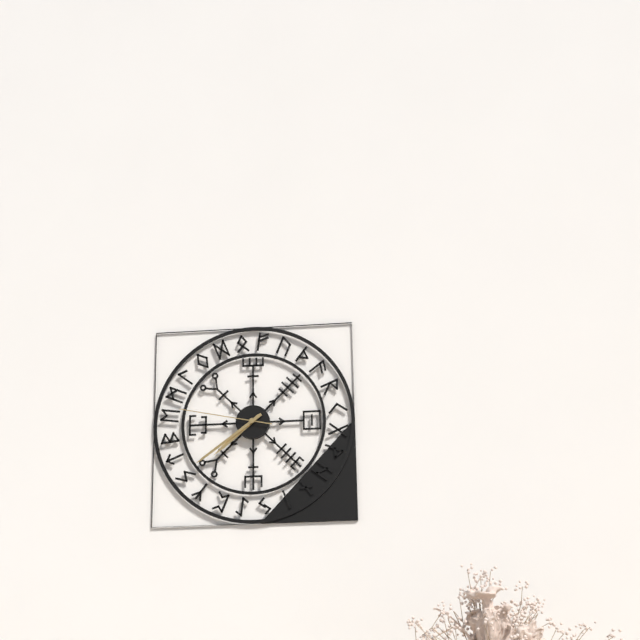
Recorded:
7.39.47
